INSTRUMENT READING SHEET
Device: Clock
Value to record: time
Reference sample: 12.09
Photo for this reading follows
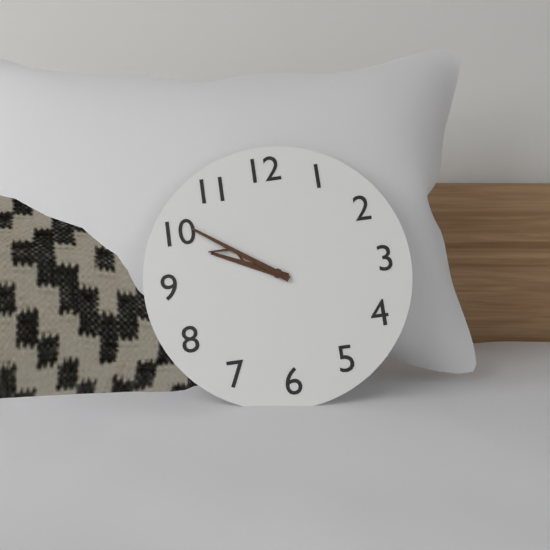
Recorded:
9.51
